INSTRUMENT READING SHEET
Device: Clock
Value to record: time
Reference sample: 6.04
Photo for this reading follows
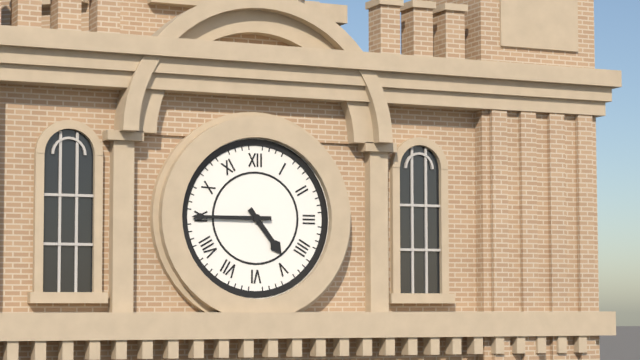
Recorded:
4.45
